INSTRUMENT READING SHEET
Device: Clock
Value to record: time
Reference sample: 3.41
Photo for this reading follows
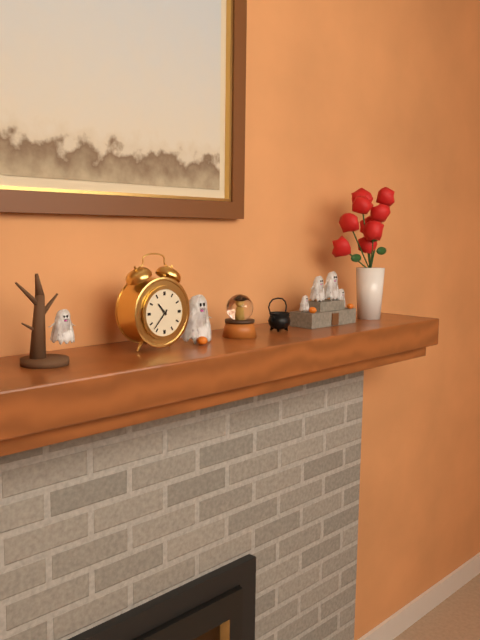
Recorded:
10.37
